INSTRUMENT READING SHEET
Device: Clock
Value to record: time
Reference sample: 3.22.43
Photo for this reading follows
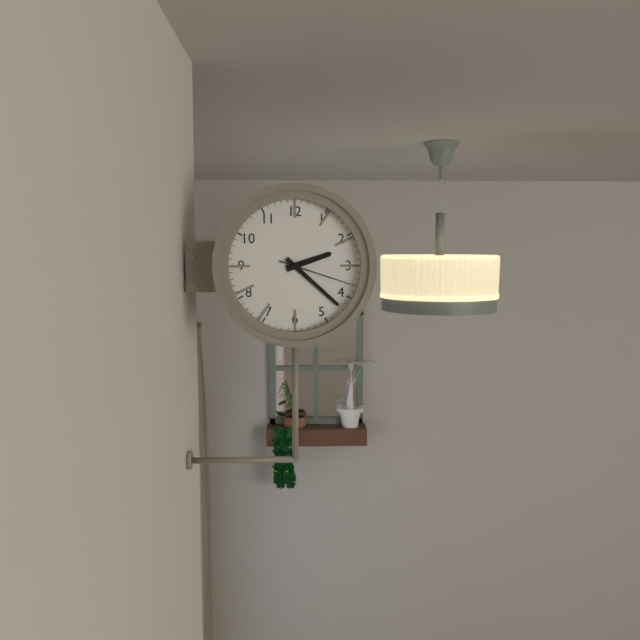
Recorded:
2.22.18
